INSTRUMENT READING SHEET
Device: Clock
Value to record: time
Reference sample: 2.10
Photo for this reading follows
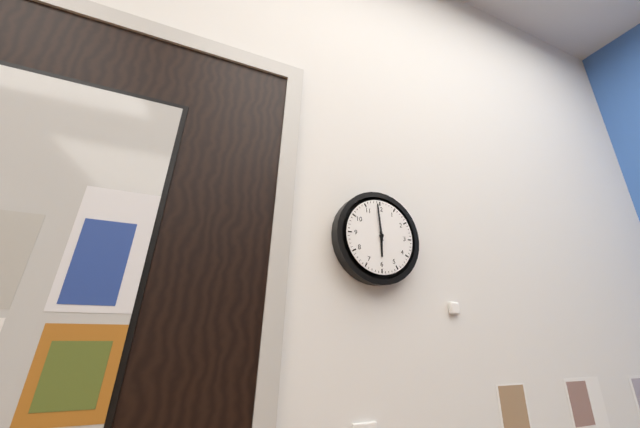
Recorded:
5.59
